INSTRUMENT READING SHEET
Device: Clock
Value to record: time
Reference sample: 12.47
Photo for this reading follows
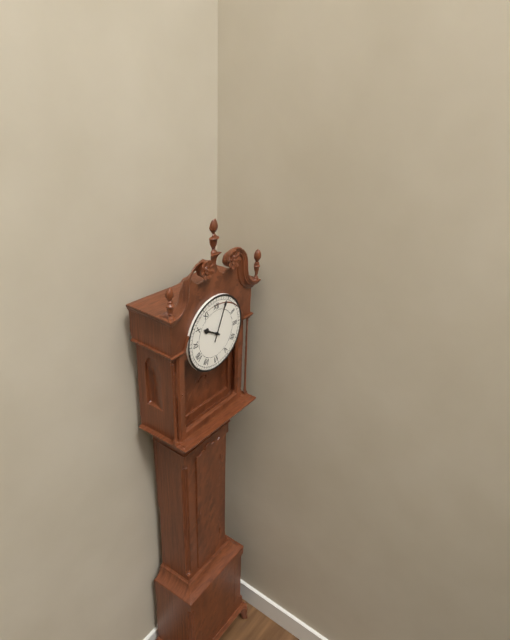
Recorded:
10.04
